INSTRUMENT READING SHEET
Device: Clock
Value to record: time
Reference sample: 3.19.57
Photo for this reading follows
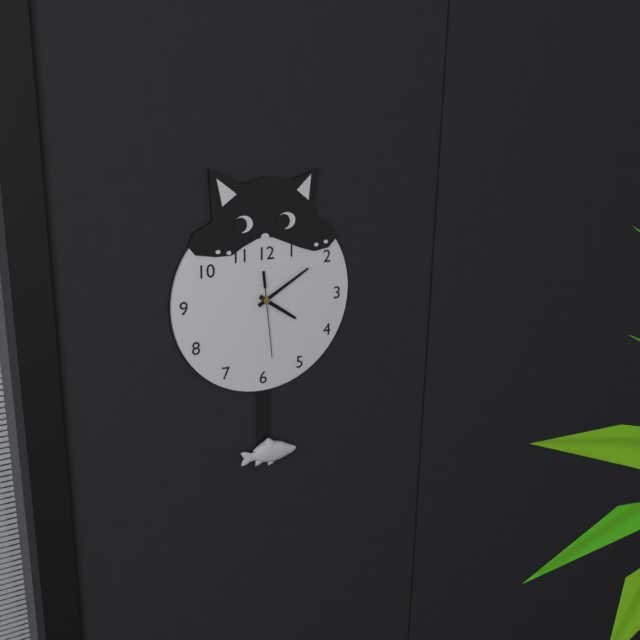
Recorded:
4.10.29
